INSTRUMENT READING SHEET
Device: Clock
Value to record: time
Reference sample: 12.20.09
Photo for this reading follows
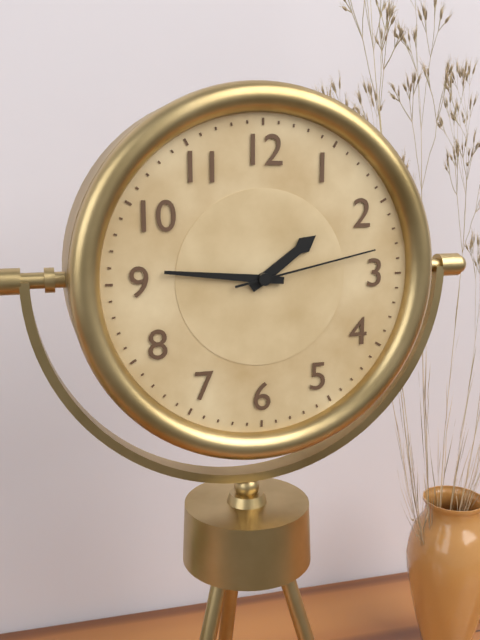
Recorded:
1.46.13
